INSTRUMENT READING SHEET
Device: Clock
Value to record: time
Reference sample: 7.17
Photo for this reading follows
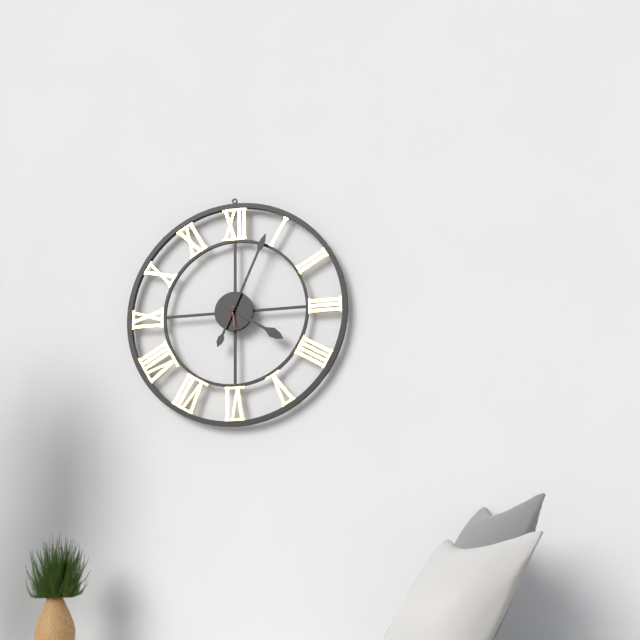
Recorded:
4.04
